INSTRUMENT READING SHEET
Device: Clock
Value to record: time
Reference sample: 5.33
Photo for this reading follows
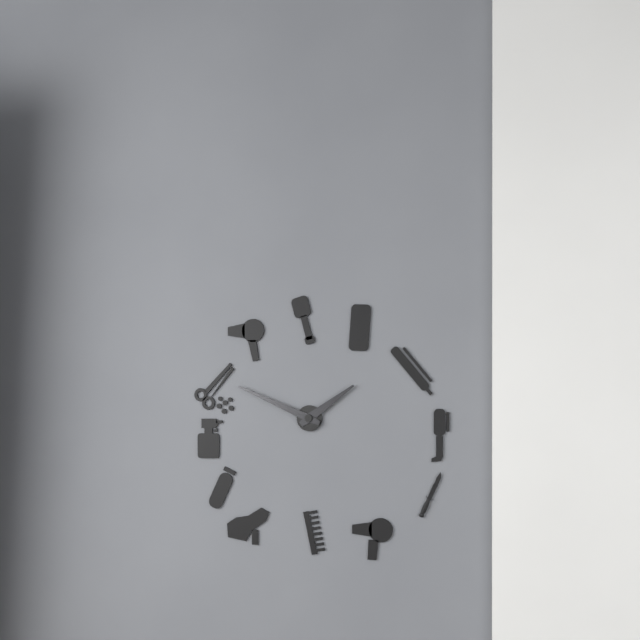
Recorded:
1.49
